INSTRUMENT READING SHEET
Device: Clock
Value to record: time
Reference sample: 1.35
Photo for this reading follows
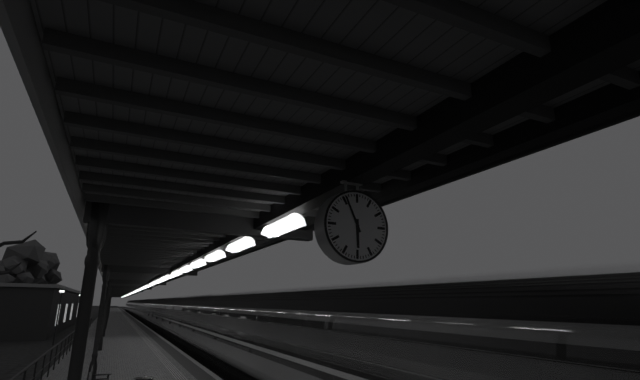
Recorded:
5.56
